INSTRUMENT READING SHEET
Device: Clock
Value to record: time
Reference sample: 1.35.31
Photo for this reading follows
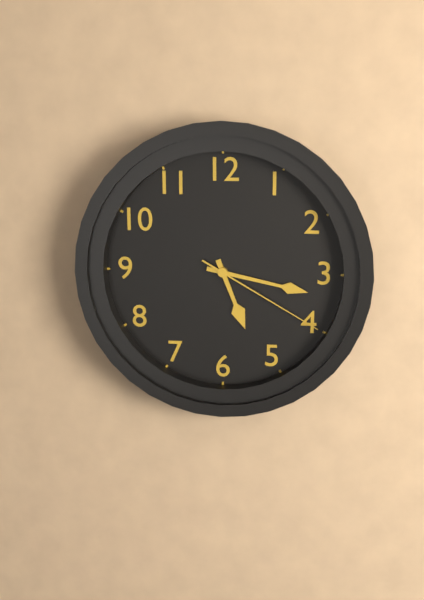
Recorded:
5.17.20
